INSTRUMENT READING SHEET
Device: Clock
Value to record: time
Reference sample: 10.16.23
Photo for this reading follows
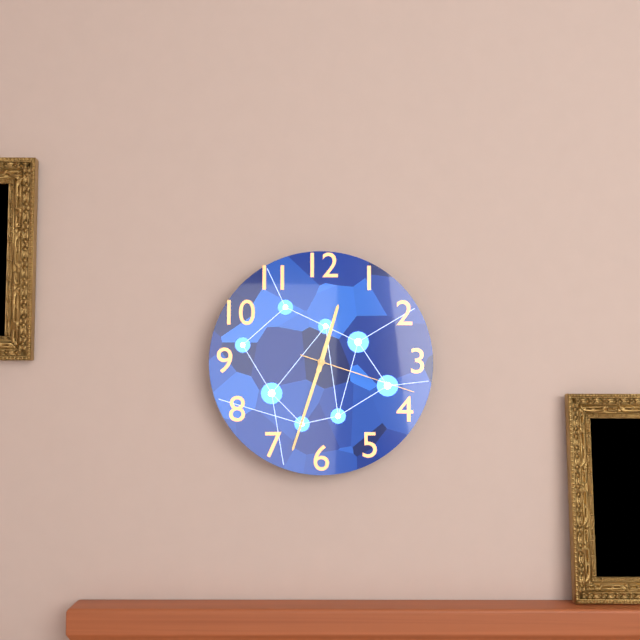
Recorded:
12.33.18
